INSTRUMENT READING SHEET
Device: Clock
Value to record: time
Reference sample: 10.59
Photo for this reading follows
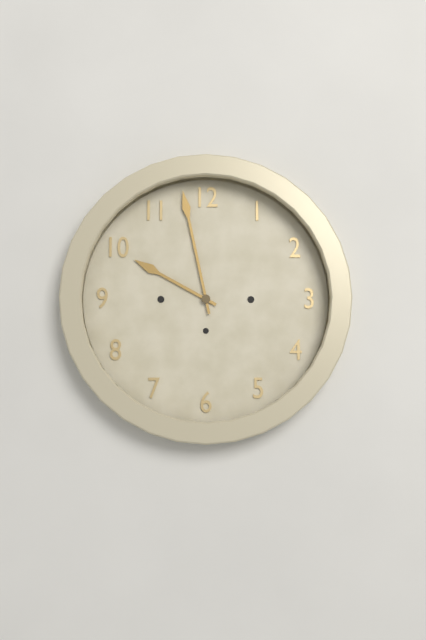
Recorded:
9.58
